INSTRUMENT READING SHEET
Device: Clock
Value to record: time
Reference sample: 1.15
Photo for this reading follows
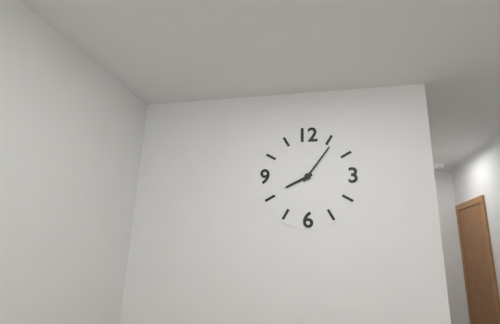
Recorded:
8.06
